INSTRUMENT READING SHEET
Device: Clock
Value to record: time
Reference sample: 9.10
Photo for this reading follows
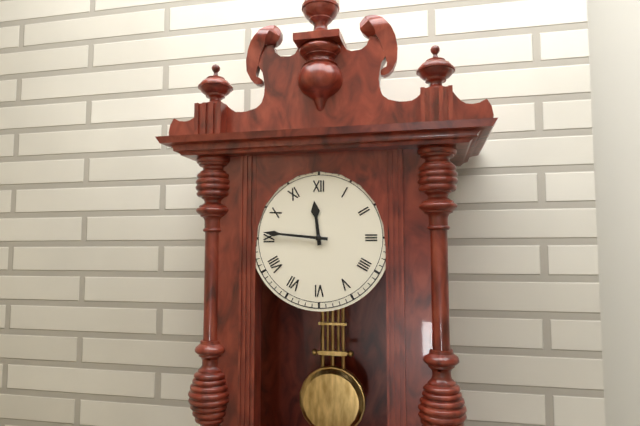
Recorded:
11.46
